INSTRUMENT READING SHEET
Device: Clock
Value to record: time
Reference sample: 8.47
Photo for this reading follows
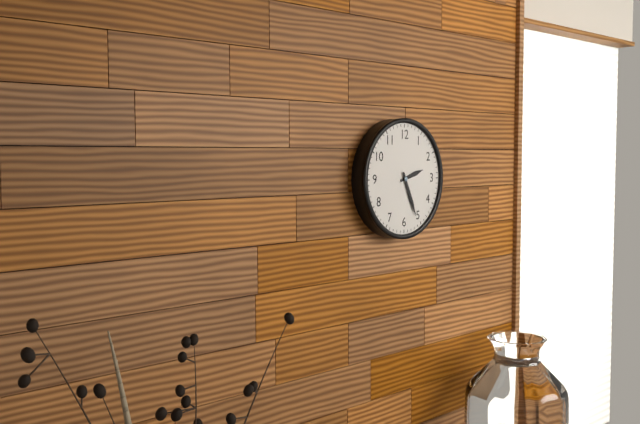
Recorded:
2.26
